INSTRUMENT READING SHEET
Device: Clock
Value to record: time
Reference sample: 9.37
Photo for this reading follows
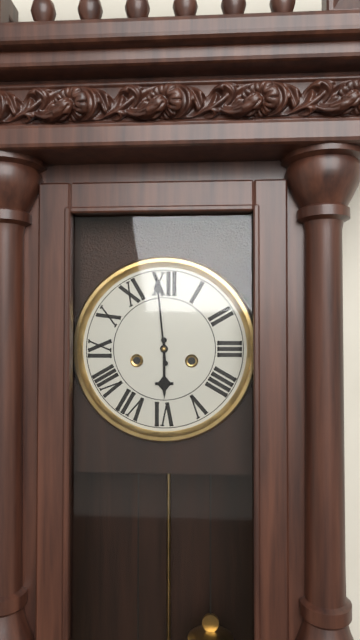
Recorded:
5.59
